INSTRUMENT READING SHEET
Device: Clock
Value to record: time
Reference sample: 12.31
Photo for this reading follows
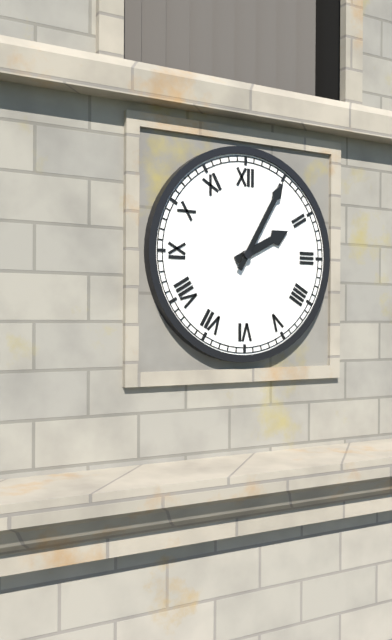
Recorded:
2.05
